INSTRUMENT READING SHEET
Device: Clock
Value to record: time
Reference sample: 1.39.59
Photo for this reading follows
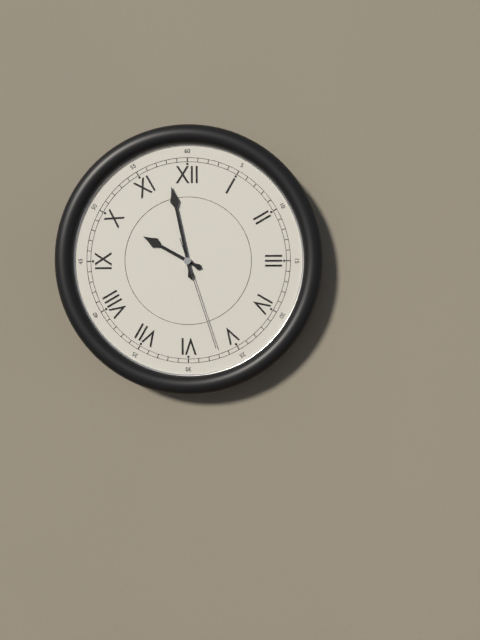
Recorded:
9.58.27
